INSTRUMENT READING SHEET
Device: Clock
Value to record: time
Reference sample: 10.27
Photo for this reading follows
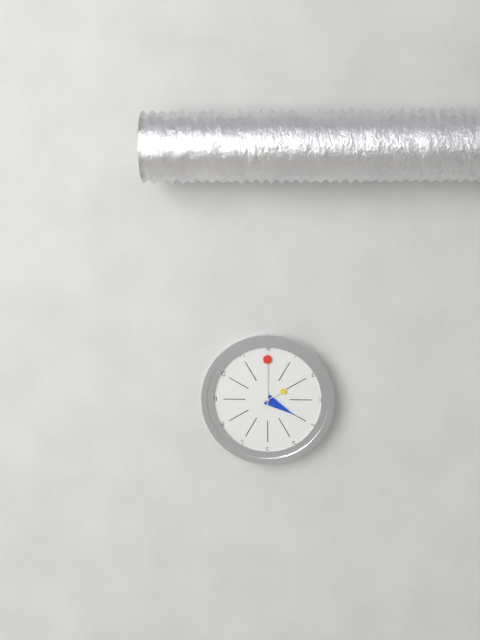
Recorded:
4.00
